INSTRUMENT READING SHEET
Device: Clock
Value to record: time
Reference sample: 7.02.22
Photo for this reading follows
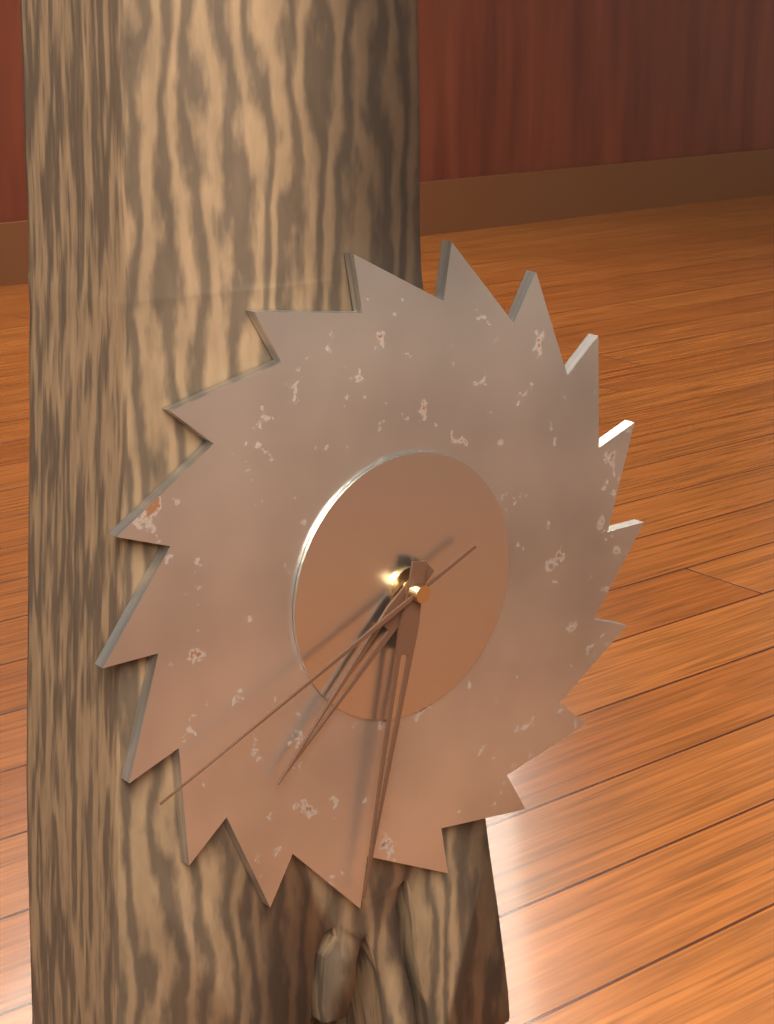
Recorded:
7.32.41
